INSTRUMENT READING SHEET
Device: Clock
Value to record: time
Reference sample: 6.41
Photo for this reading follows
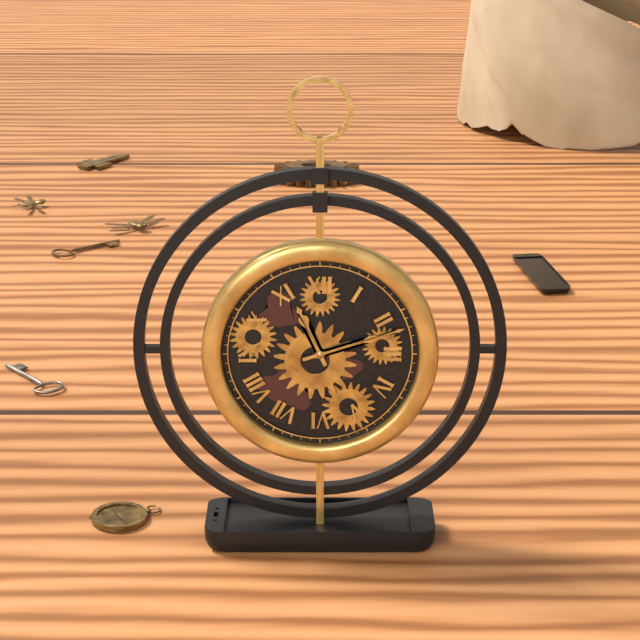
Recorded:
11.12
